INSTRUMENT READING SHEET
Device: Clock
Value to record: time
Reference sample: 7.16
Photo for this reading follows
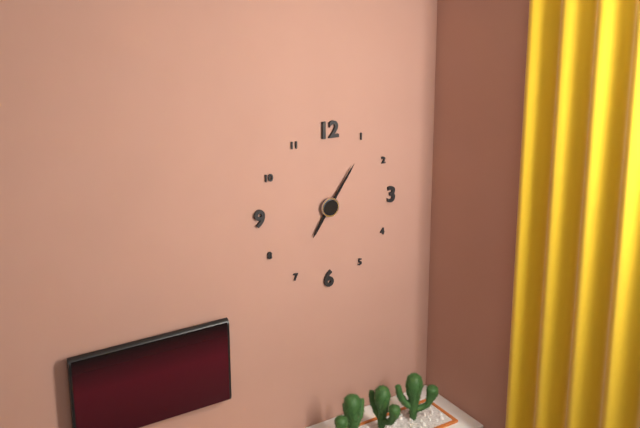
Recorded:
7.06
